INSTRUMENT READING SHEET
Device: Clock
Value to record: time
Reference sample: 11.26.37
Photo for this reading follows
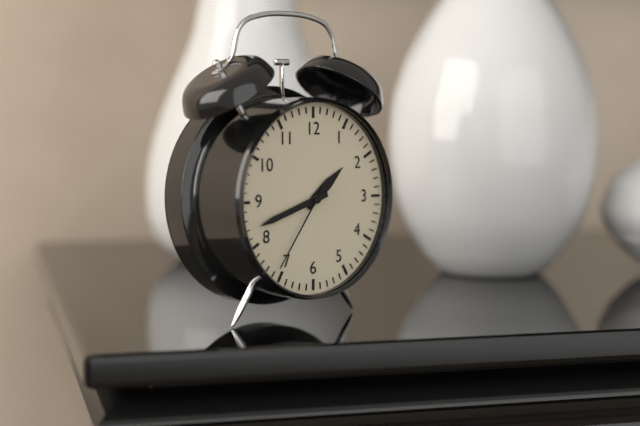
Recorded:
1.42.36
